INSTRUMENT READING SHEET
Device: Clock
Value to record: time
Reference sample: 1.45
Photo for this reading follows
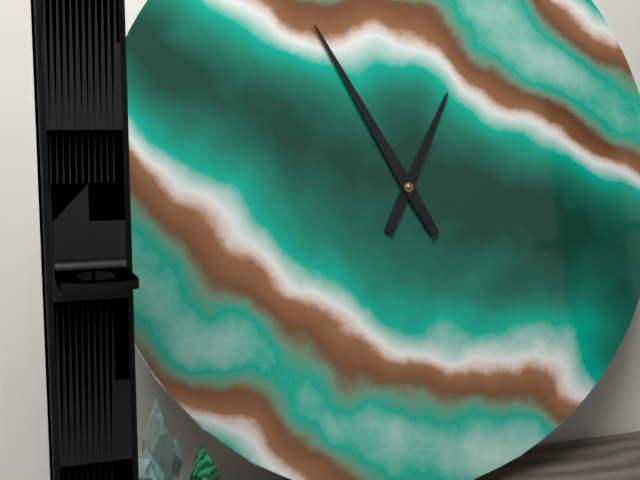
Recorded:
12.55
